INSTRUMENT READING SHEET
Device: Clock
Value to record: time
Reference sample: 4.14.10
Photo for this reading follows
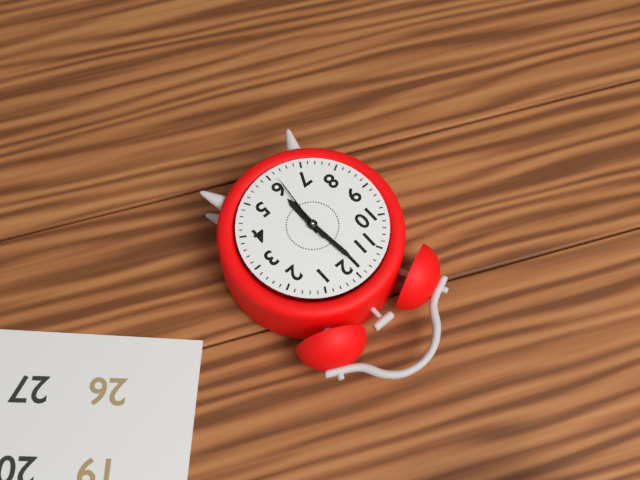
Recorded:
5.59.31
